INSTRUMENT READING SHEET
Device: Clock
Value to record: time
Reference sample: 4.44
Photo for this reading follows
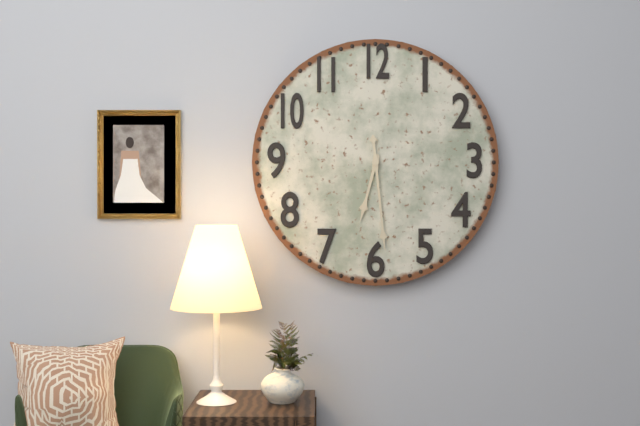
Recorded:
6.29
